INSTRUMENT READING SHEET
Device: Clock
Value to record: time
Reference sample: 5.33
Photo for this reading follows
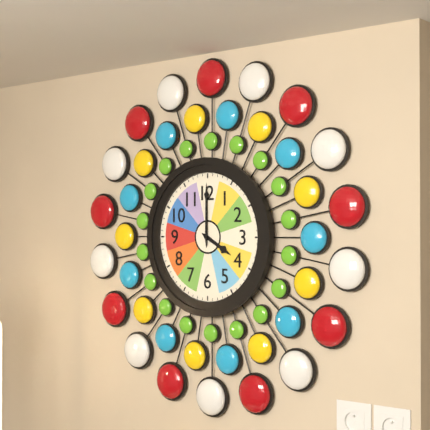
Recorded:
4.00
